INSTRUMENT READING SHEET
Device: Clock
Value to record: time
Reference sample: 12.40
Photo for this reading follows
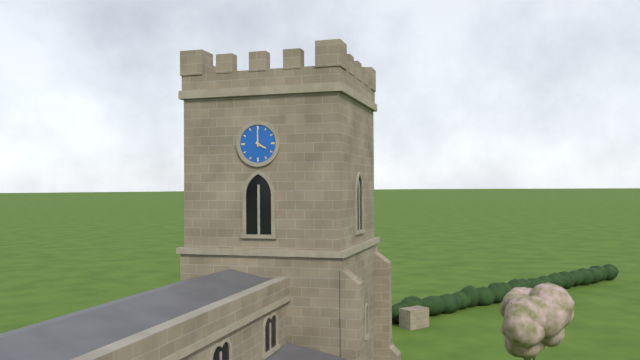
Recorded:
4.00
